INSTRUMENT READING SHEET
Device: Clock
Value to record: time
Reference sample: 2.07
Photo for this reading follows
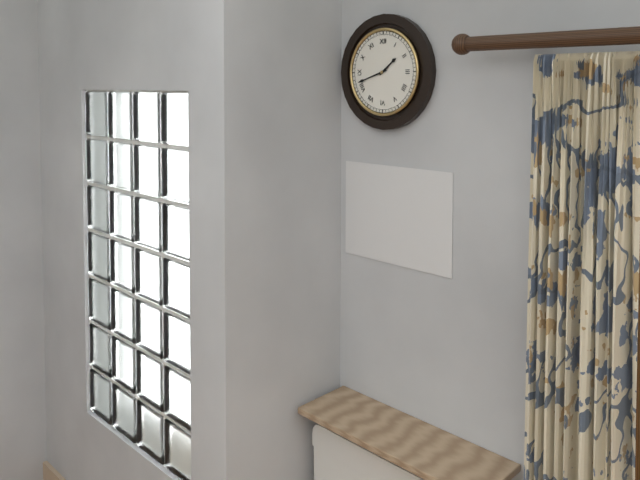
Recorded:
1.42
